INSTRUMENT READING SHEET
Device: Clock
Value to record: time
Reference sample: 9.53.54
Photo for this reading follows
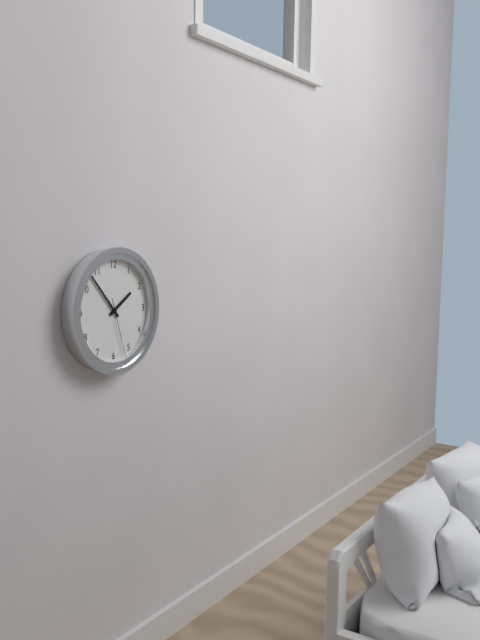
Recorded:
1.53.27
